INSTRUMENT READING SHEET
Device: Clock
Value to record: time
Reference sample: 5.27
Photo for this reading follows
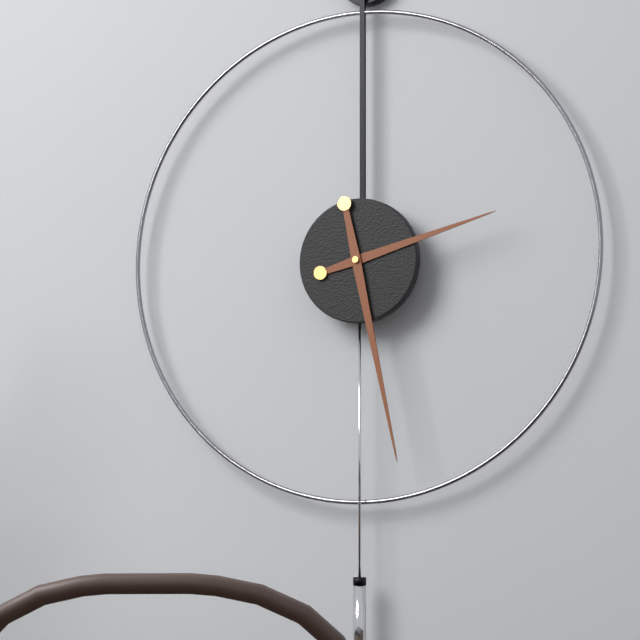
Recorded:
2.28
